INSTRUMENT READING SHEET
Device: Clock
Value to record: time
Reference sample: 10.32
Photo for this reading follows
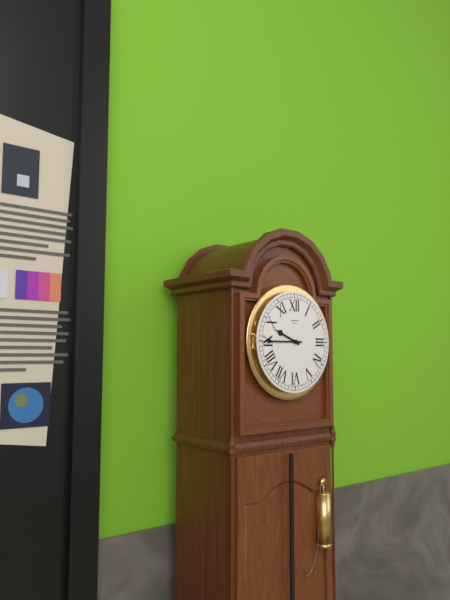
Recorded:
9.45
